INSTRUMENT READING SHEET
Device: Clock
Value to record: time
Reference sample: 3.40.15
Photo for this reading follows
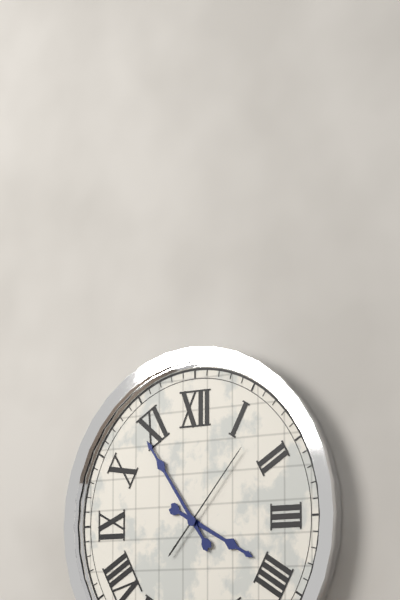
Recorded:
3.54.07
